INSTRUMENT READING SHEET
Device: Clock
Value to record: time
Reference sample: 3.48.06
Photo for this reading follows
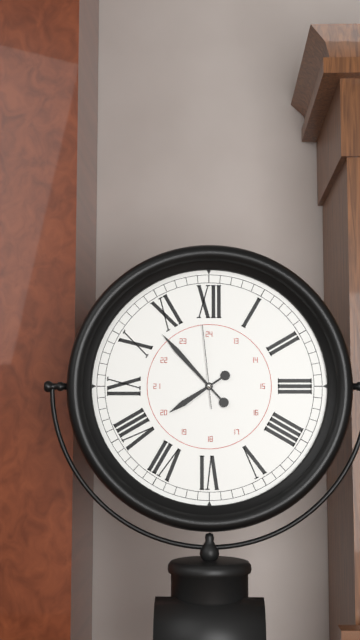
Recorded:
7.53.59
